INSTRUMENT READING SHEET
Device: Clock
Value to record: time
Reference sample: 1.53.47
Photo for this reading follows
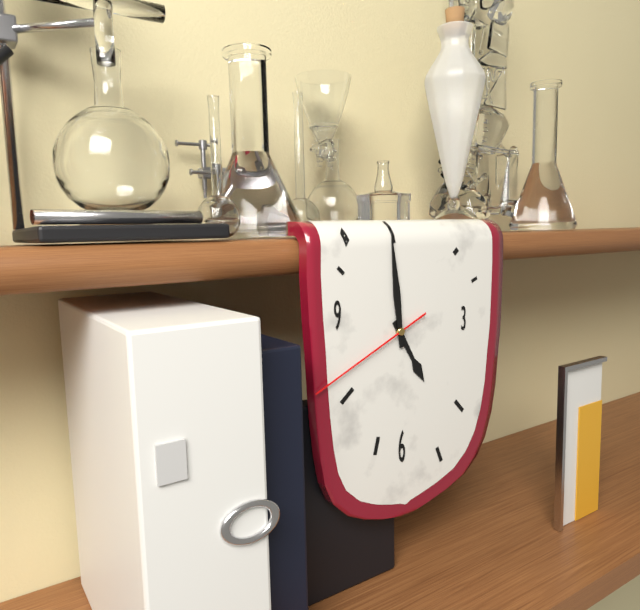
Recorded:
4.59.41
